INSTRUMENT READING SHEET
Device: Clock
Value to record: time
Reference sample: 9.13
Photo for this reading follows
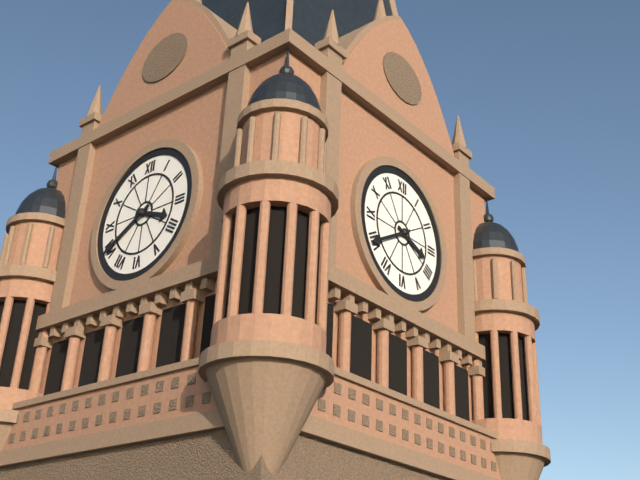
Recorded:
3.40
